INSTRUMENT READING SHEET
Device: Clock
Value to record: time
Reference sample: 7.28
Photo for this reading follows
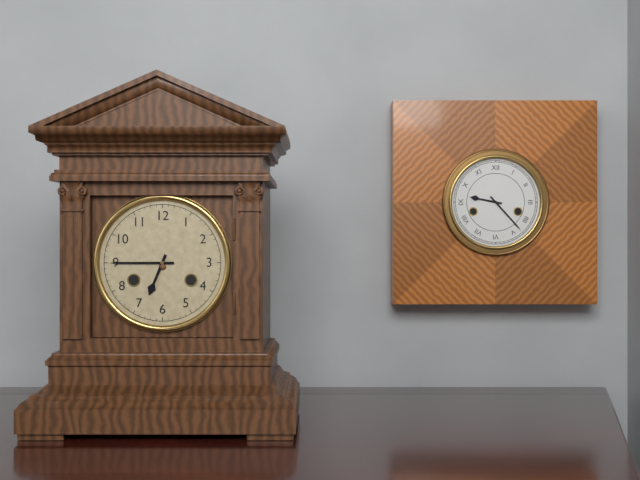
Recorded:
6.45
